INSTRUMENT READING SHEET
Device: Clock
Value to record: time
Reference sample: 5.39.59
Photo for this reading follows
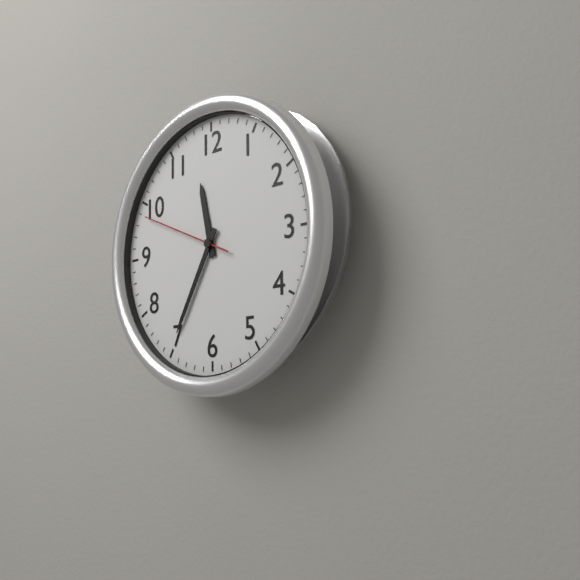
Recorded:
11.35.49
